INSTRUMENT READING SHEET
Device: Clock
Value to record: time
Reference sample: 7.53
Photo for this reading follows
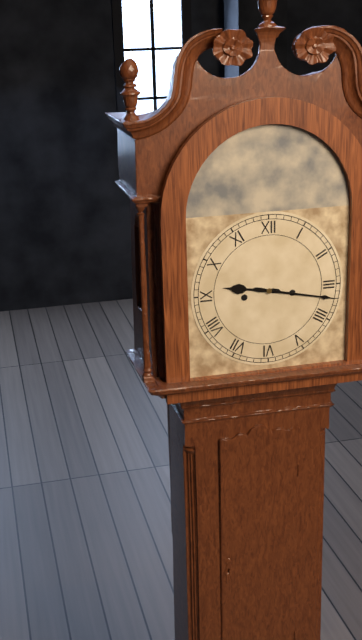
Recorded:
9.17
